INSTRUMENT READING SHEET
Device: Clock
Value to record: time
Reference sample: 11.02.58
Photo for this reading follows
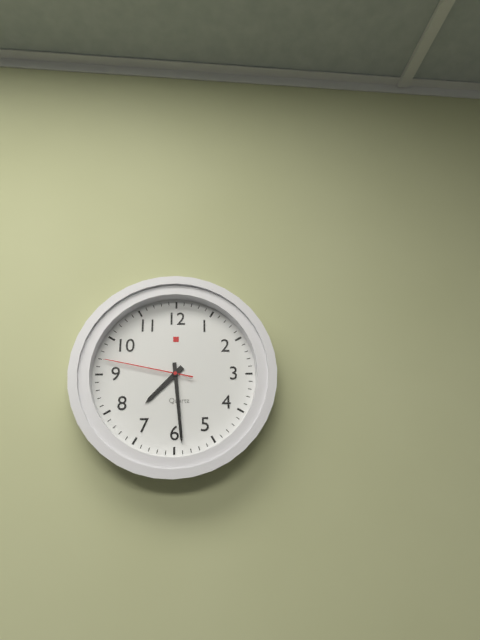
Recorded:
7.29.47
